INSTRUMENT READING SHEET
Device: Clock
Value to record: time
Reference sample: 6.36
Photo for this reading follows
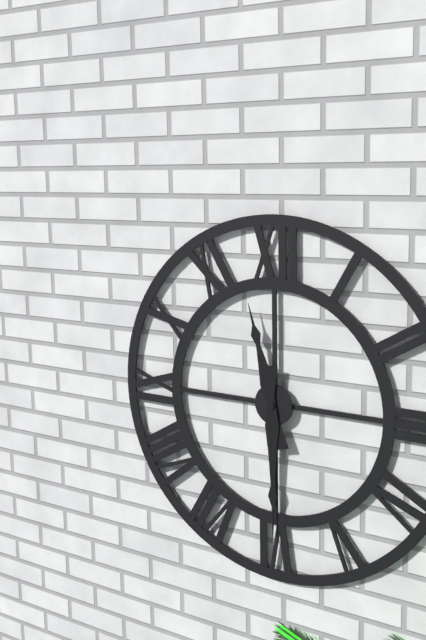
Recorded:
11.30
